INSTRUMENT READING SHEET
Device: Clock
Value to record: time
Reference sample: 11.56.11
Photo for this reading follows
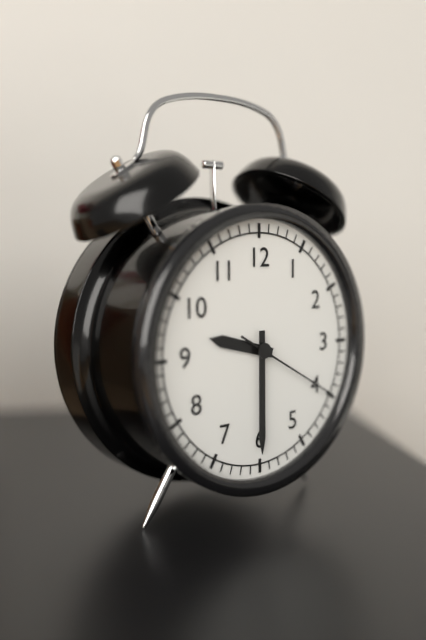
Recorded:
9.30.20
